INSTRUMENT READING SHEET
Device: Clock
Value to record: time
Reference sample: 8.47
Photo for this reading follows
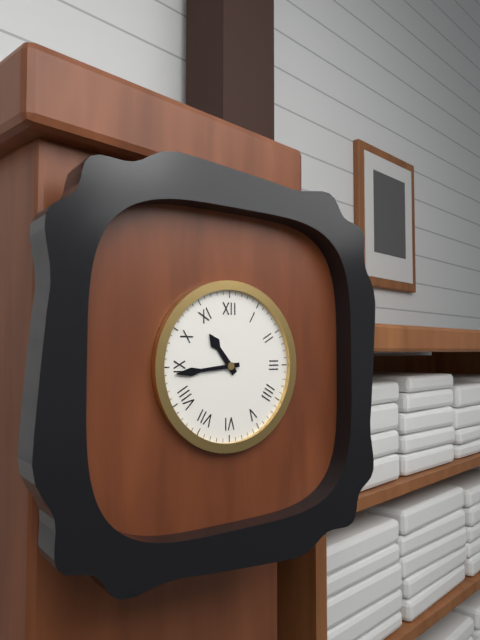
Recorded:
10.44
